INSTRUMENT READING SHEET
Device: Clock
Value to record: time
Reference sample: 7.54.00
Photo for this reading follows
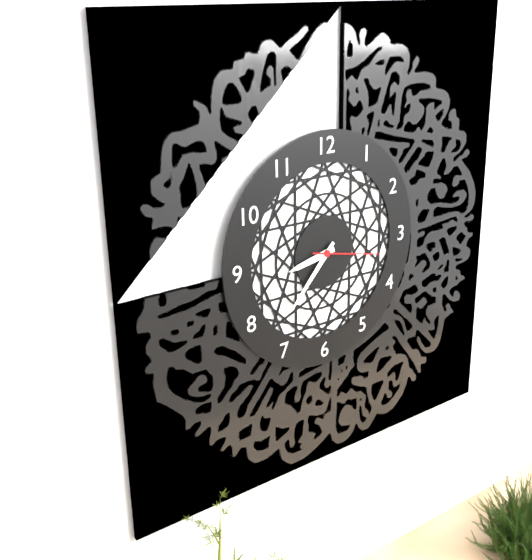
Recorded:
8.37.17
